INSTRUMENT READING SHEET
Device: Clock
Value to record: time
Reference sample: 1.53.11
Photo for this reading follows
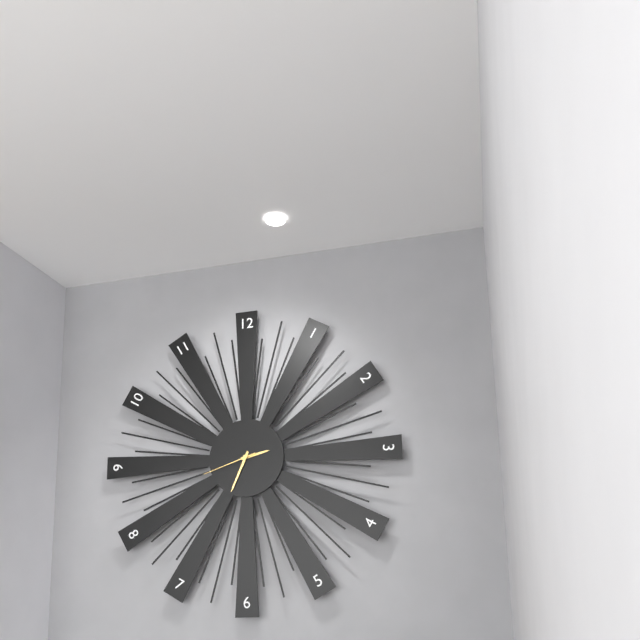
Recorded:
2.34.42
